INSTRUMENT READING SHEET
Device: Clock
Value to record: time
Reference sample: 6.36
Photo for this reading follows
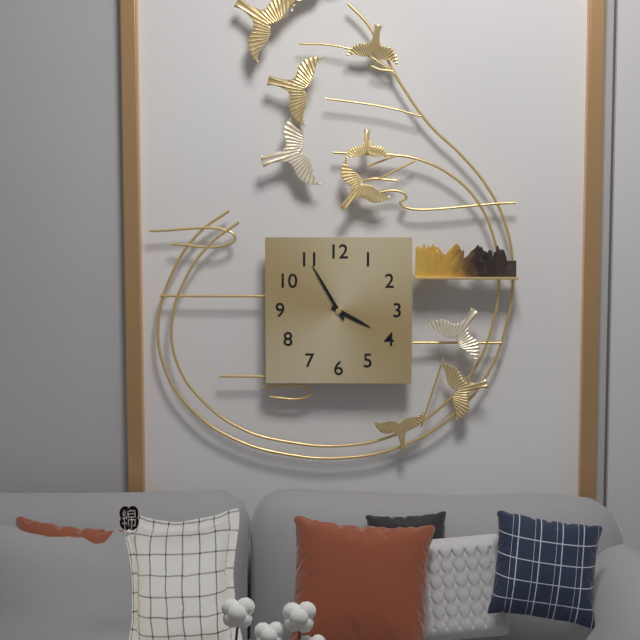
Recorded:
3.55
